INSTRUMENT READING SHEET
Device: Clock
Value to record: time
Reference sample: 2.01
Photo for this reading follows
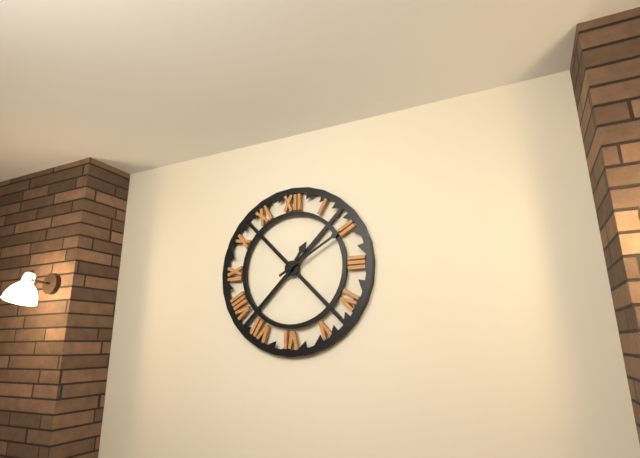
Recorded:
1.10
